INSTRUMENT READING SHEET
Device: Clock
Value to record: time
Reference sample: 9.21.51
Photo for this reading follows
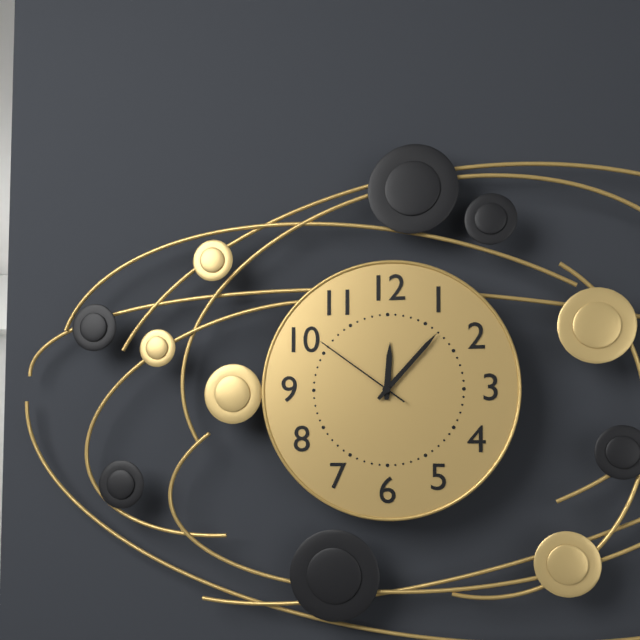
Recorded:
12.07.51
